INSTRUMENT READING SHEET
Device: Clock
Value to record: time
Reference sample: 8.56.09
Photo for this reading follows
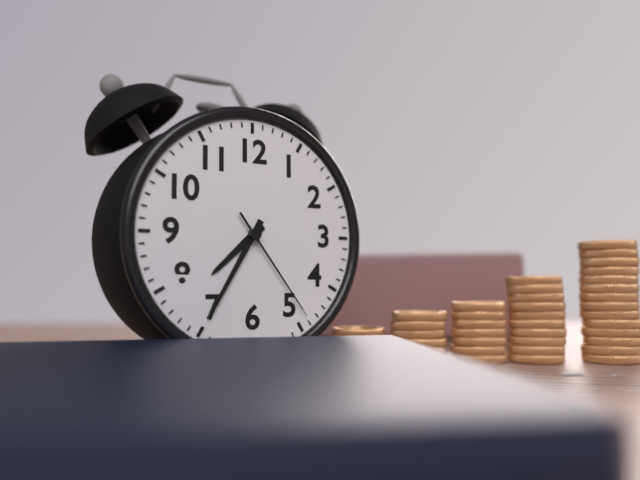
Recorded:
7.35.24
